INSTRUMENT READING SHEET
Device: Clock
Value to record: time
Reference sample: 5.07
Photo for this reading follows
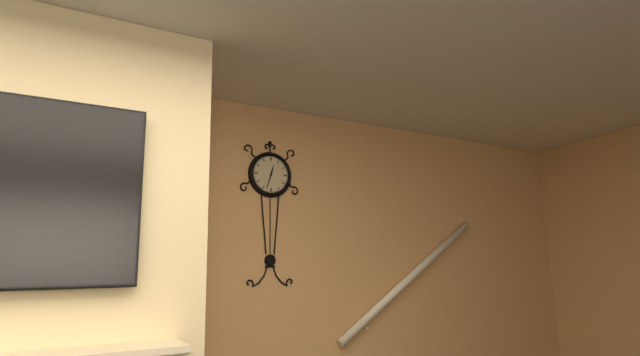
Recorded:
12.33
